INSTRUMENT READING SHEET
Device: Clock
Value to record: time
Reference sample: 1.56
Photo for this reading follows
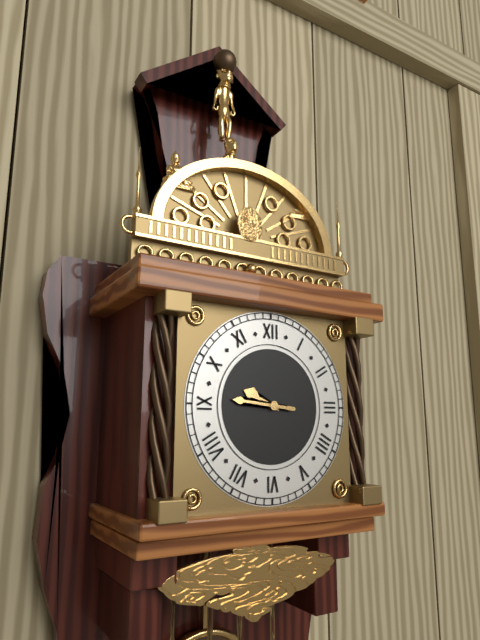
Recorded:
9.46
